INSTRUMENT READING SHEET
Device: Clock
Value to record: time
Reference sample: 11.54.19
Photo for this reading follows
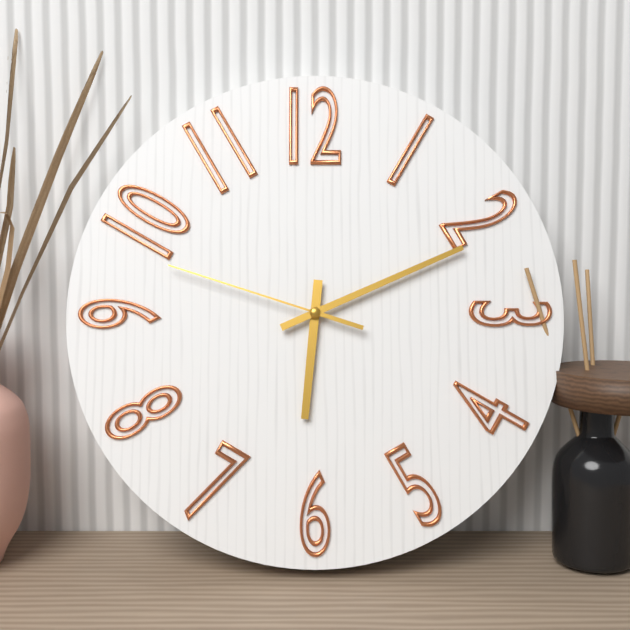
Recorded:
6.11.48
